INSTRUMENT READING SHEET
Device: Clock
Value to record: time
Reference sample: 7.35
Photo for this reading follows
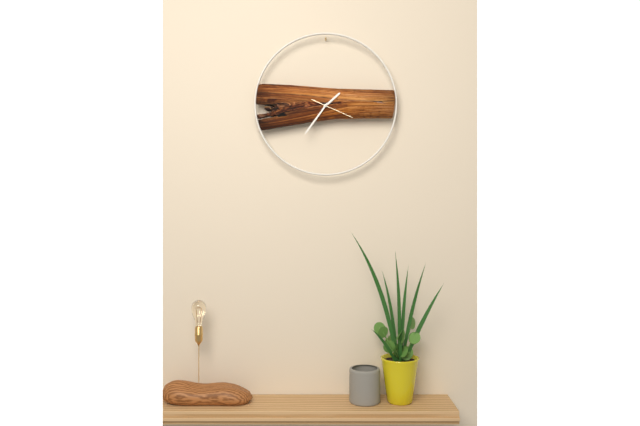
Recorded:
1.36
